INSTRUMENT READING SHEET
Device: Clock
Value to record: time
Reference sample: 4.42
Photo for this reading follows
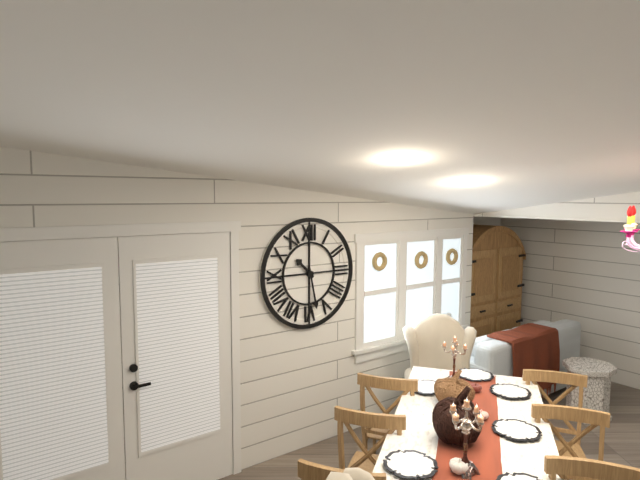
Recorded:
10.28
